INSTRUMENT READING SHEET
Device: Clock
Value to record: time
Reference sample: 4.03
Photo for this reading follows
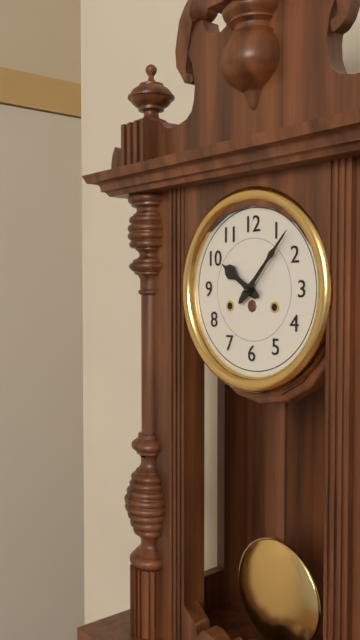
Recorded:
10.07
